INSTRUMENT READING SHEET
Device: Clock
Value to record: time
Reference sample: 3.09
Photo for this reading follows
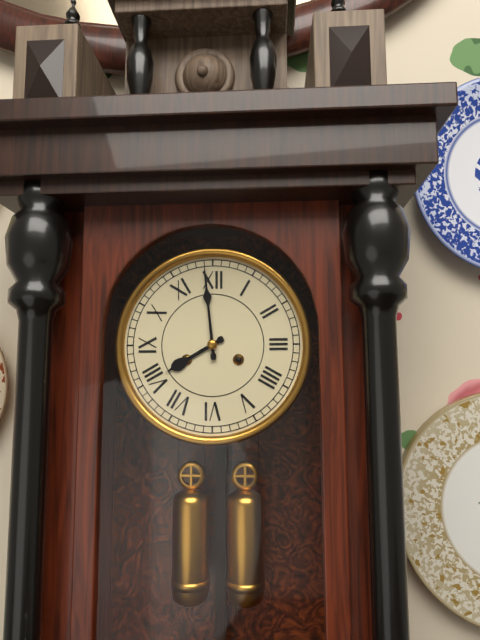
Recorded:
7.59
